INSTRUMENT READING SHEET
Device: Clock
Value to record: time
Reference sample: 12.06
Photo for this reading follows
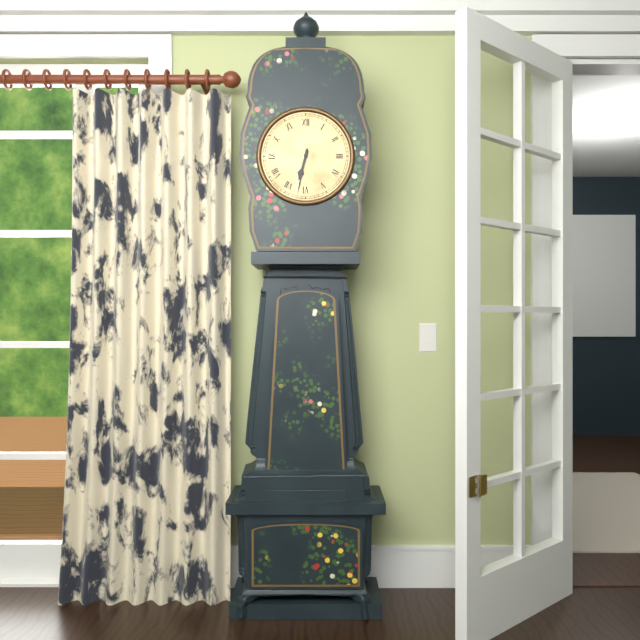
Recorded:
6.32
